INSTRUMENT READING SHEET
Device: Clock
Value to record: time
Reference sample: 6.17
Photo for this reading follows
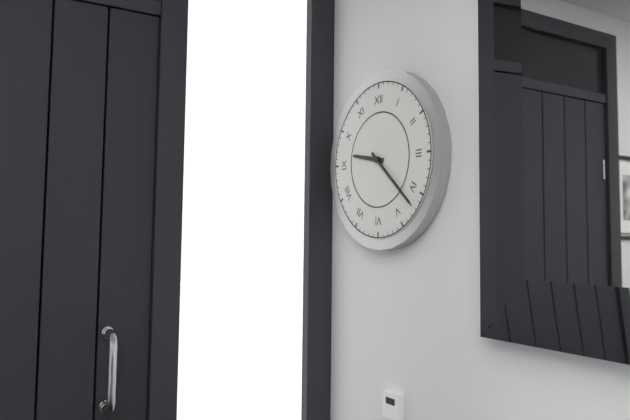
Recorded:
9.22
